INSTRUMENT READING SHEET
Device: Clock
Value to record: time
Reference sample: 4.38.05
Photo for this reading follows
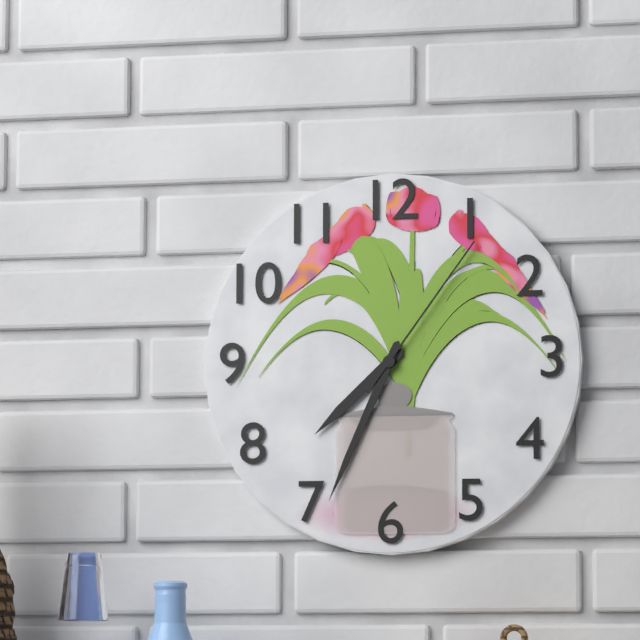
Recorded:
7.34.06
